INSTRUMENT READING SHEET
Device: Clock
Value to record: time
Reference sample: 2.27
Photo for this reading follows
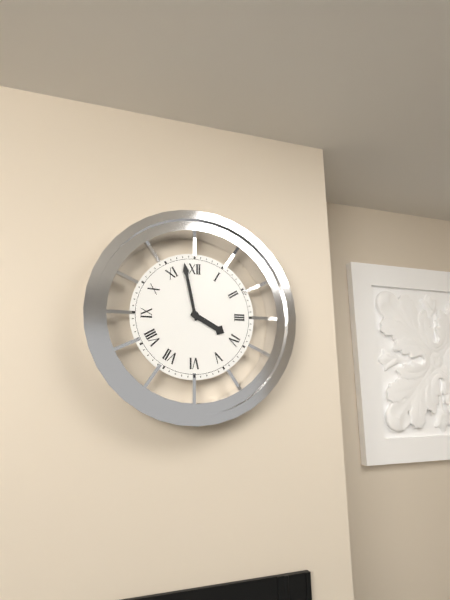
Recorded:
3.58
